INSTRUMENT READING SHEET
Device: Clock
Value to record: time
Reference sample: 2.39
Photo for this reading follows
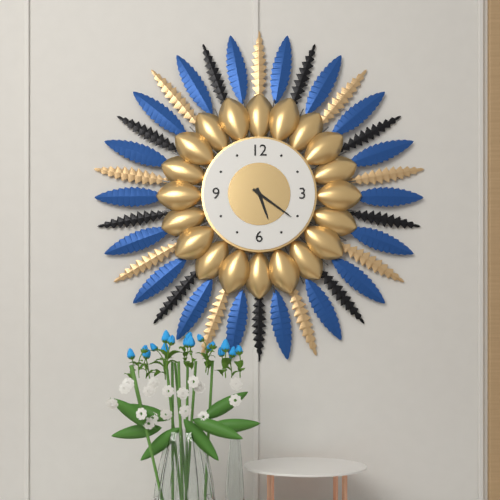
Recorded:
5.21
